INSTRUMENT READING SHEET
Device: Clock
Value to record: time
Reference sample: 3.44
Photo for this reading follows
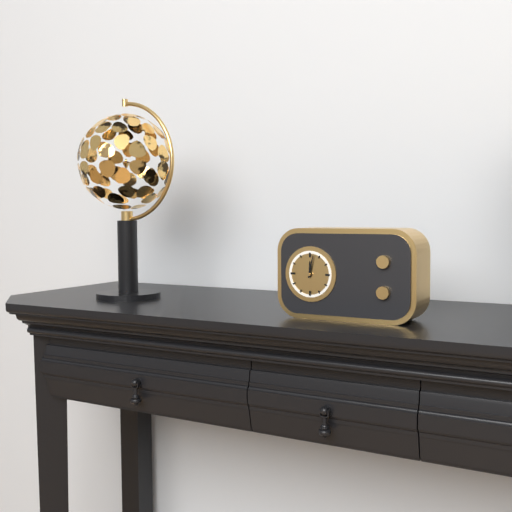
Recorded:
12.02
